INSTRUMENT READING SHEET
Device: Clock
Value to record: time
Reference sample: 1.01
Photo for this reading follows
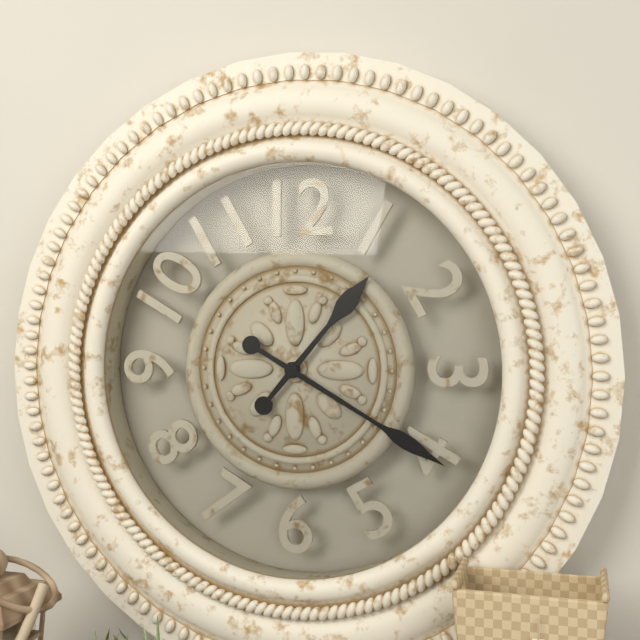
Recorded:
1.20
